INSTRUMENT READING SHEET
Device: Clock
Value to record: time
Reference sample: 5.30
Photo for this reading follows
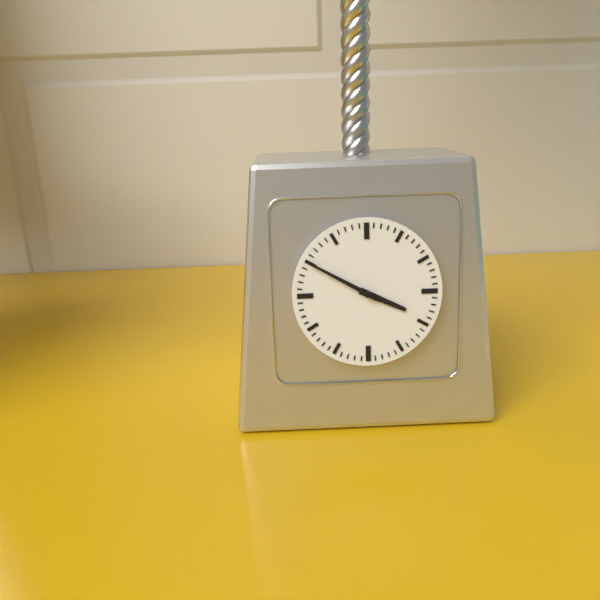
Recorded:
3.50
